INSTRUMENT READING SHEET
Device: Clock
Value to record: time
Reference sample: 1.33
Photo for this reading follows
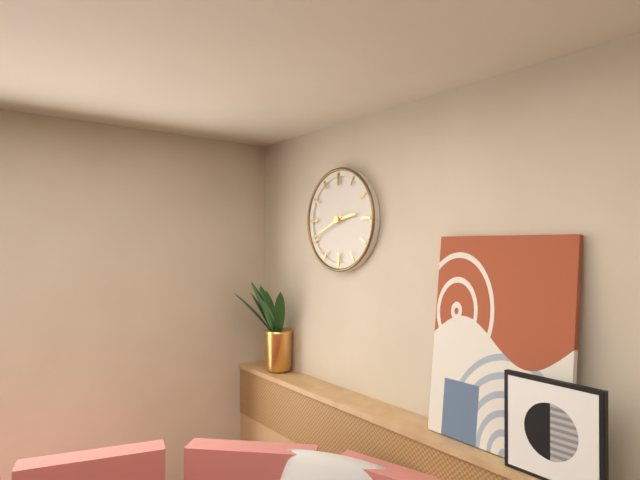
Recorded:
2.41
